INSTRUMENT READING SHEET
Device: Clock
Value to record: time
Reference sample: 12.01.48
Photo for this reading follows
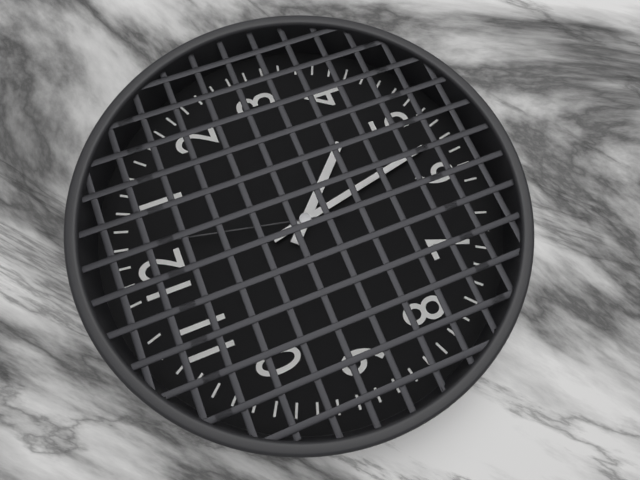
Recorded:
4.28.02
